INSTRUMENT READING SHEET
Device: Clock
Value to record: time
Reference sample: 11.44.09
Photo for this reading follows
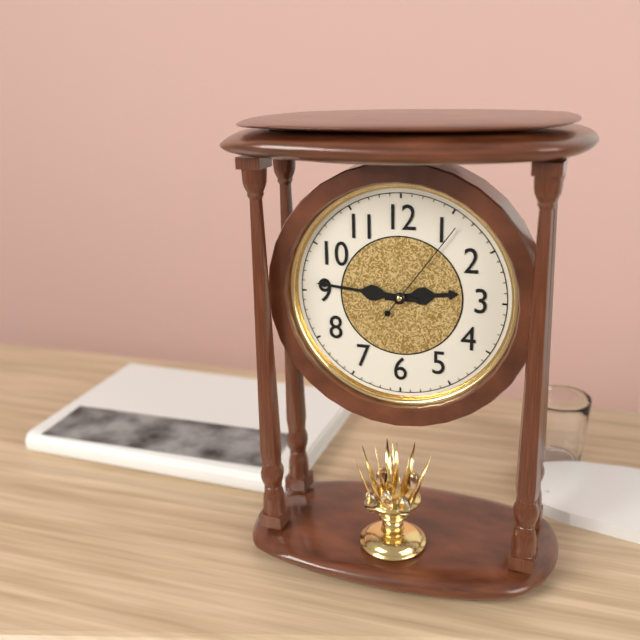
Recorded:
2.46.06
